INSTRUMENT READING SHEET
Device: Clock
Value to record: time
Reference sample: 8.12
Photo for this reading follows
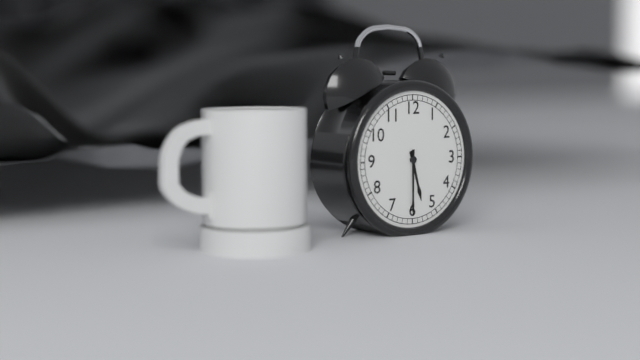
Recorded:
5.30
